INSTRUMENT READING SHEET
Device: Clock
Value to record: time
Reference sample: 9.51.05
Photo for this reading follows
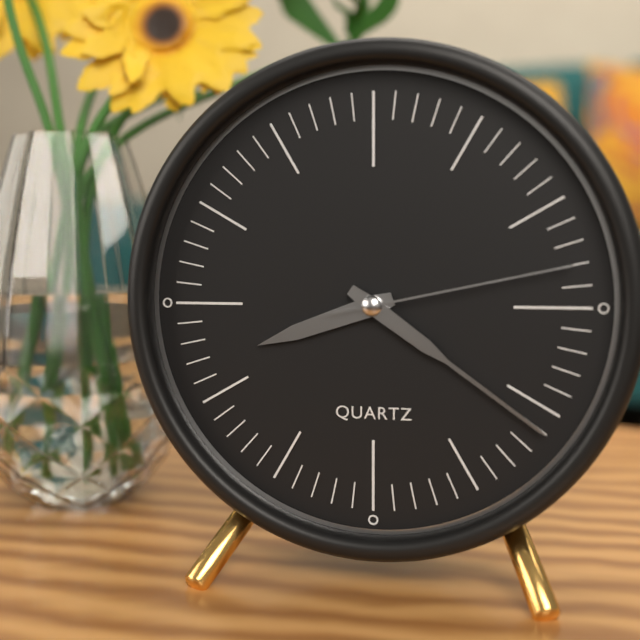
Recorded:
8.21.13
